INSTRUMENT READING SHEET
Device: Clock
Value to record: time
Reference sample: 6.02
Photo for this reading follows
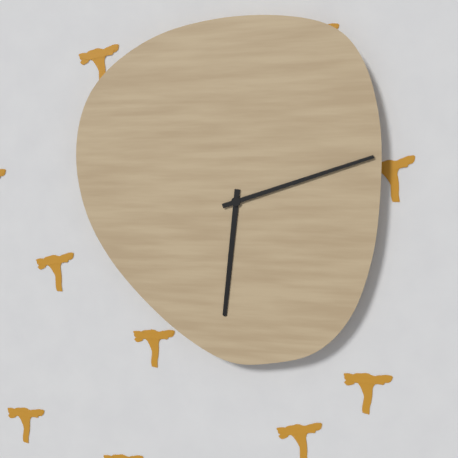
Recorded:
6.12
